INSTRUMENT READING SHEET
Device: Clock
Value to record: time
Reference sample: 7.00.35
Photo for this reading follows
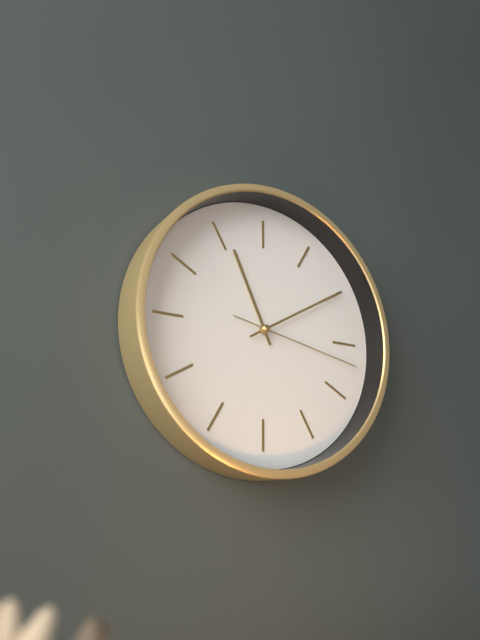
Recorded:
11.10.17
